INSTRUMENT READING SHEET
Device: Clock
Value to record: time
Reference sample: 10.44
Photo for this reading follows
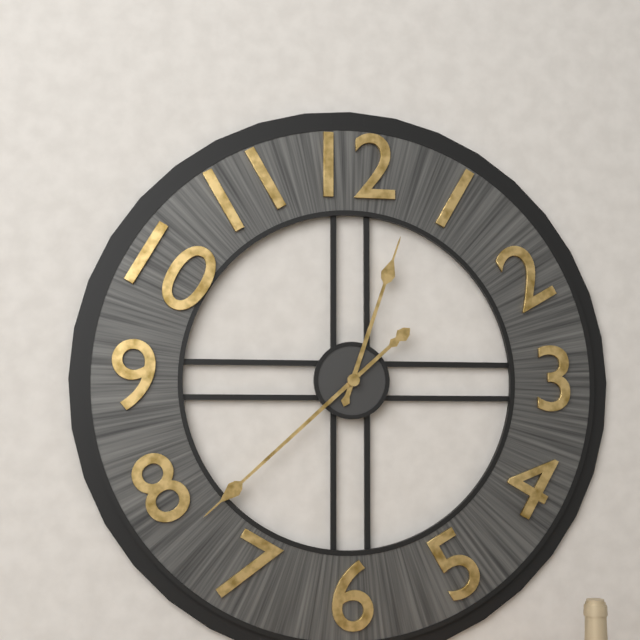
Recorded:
12.38
